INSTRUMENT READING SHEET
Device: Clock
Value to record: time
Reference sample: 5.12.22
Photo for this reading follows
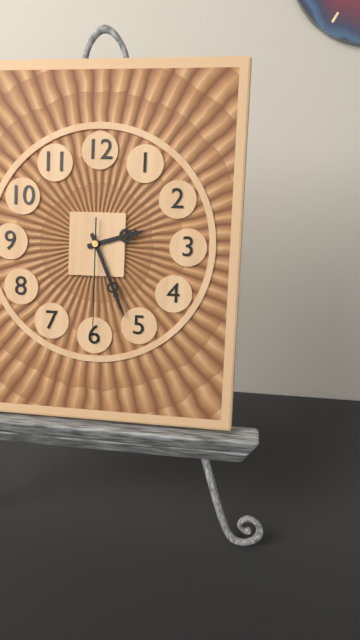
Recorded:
2.26.30
